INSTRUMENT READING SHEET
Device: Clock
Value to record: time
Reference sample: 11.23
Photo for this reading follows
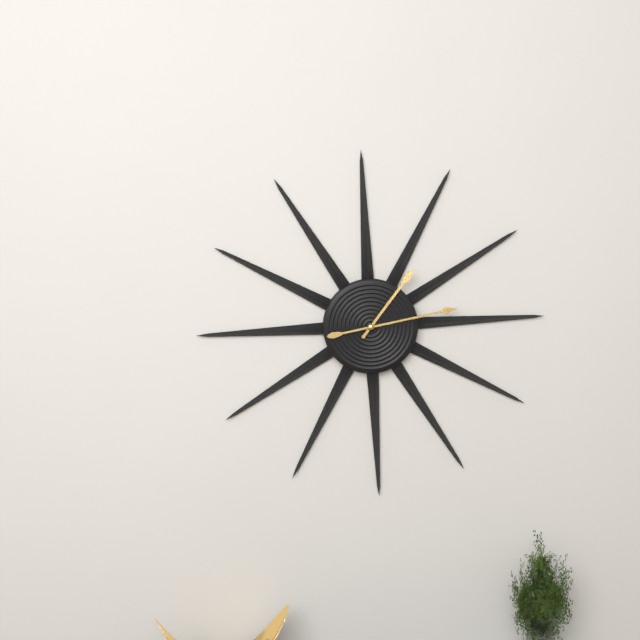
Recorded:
1.13
